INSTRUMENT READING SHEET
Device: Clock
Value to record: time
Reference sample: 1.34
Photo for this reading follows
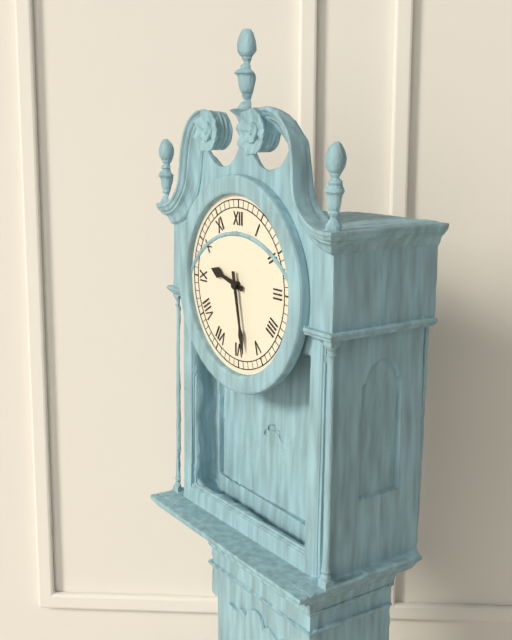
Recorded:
9.28
